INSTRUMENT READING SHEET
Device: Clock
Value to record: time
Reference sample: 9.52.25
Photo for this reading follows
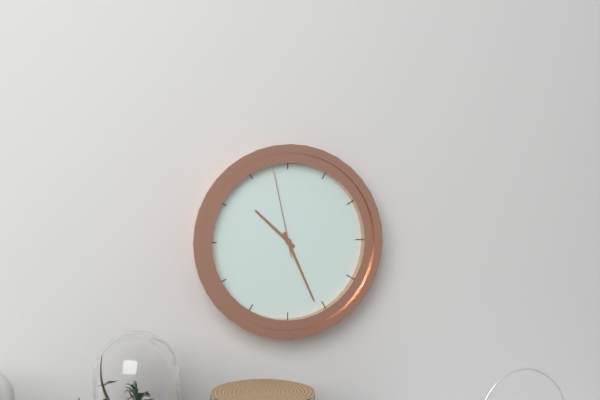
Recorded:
10.26.58
